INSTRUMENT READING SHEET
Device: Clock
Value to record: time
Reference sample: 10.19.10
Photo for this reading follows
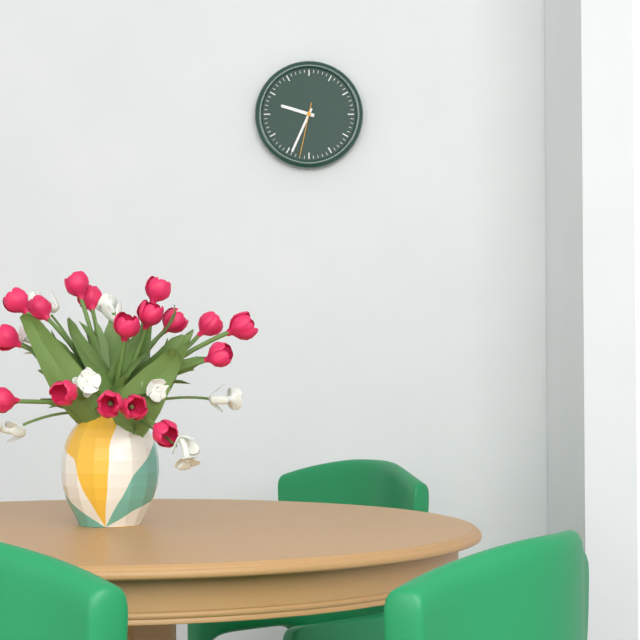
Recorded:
9.34.32
